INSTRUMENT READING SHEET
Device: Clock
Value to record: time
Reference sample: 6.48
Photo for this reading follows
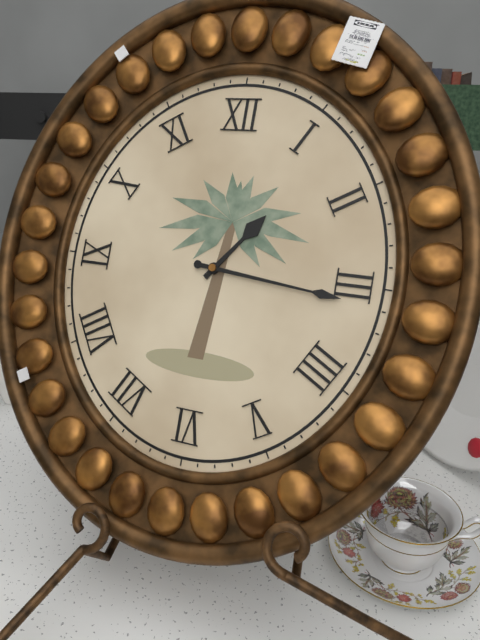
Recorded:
1.16
